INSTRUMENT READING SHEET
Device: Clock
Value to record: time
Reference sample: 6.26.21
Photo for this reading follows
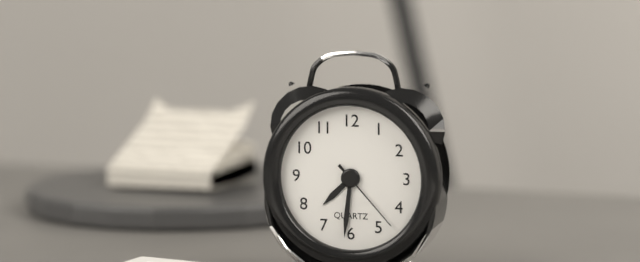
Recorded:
7.31.23
